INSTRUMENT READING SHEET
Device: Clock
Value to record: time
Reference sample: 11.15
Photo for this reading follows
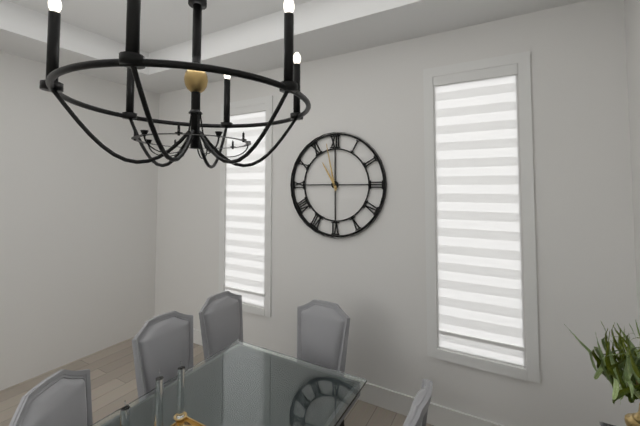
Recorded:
10.58
